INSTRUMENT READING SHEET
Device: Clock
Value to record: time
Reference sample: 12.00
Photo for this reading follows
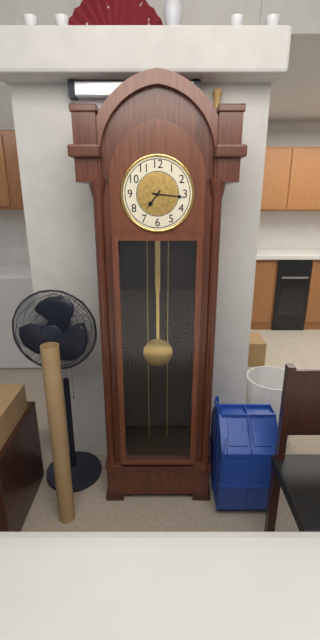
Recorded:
7.16
